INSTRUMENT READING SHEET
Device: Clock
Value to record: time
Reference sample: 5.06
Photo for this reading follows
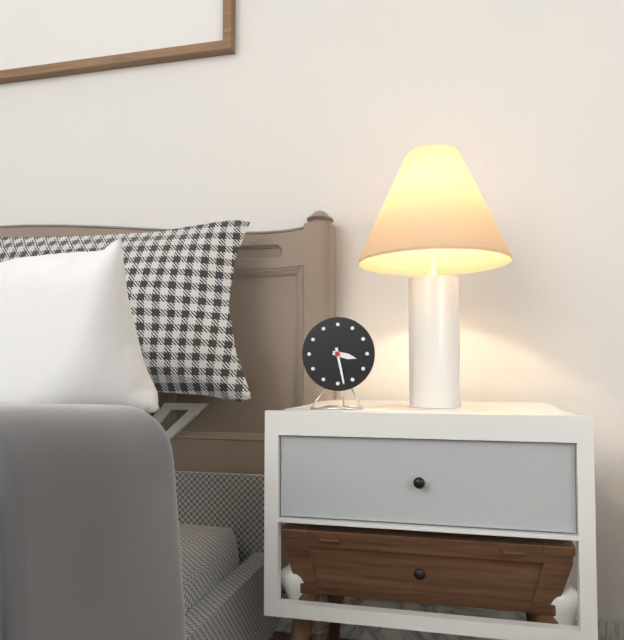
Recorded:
3.28
